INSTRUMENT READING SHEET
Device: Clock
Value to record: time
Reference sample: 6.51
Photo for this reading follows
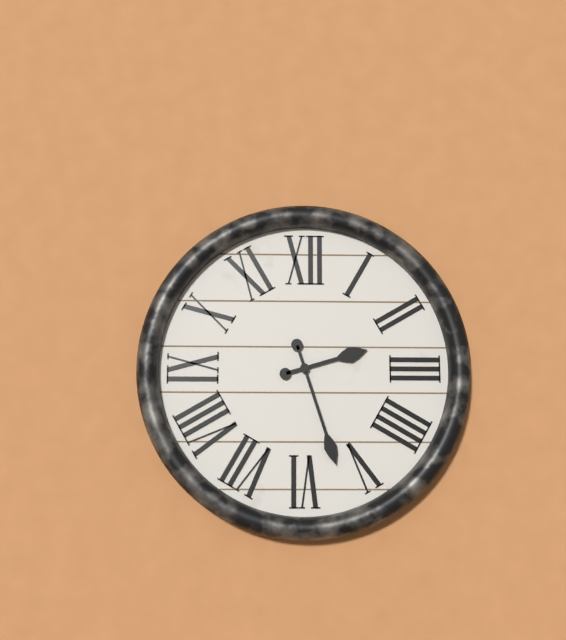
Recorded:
2.27
